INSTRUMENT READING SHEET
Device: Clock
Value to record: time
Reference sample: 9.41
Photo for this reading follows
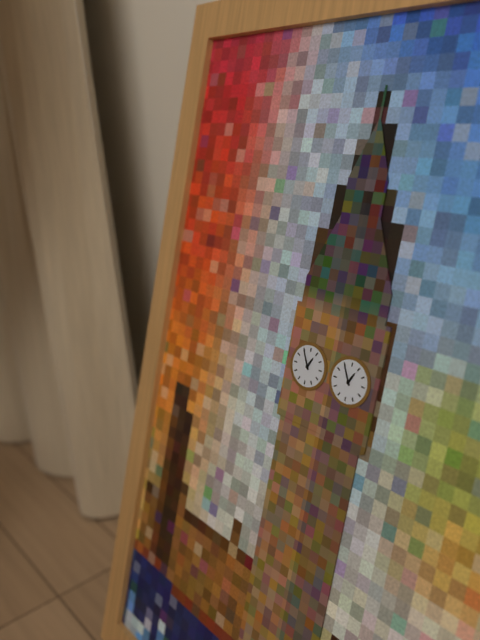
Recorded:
12.55
